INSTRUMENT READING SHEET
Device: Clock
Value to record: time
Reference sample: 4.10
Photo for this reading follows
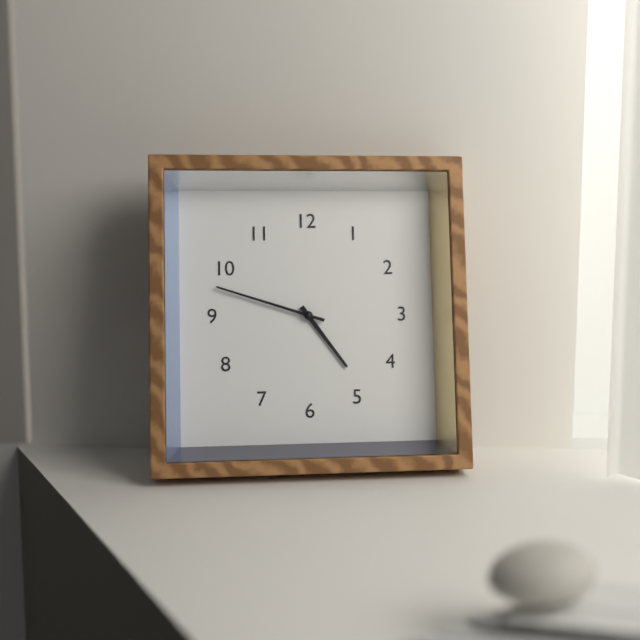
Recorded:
4.48
